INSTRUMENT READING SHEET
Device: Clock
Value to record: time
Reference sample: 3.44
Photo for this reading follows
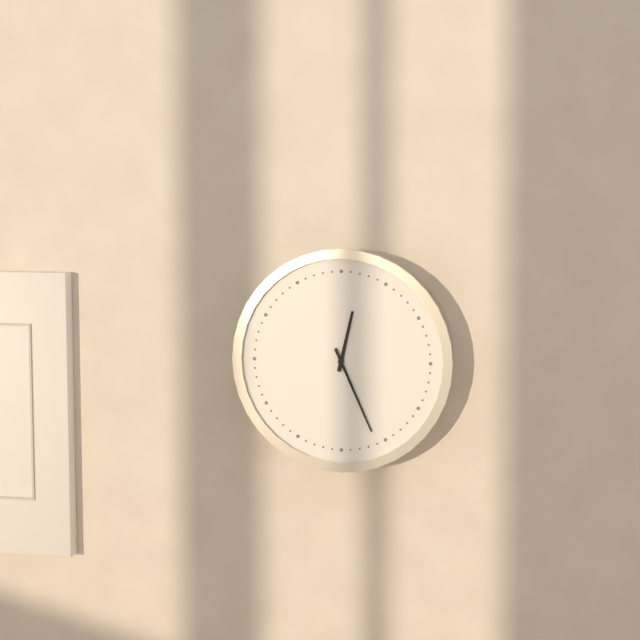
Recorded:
12.26
